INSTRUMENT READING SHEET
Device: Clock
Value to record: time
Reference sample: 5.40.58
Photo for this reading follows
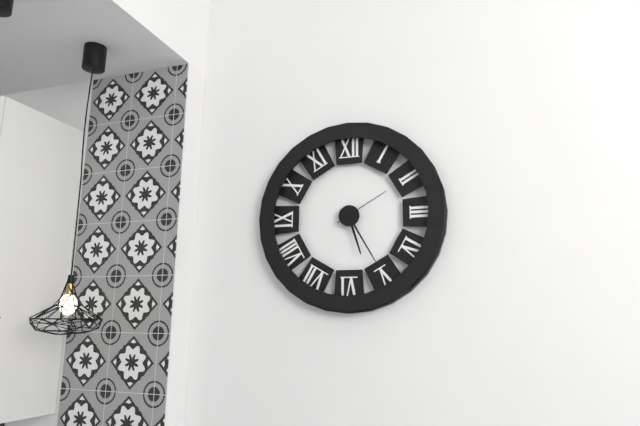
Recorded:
5.25.10
